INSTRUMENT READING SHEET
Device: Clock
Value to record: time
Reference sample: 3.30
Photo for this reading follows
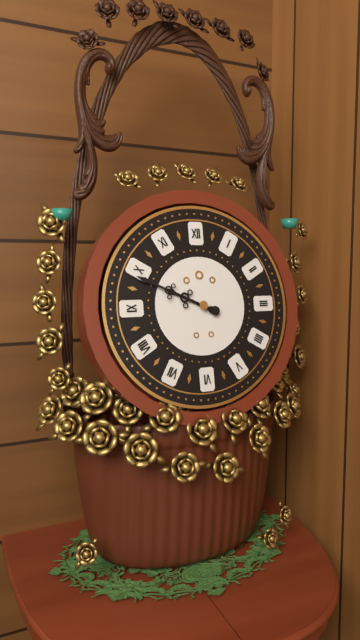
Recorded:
9.49
